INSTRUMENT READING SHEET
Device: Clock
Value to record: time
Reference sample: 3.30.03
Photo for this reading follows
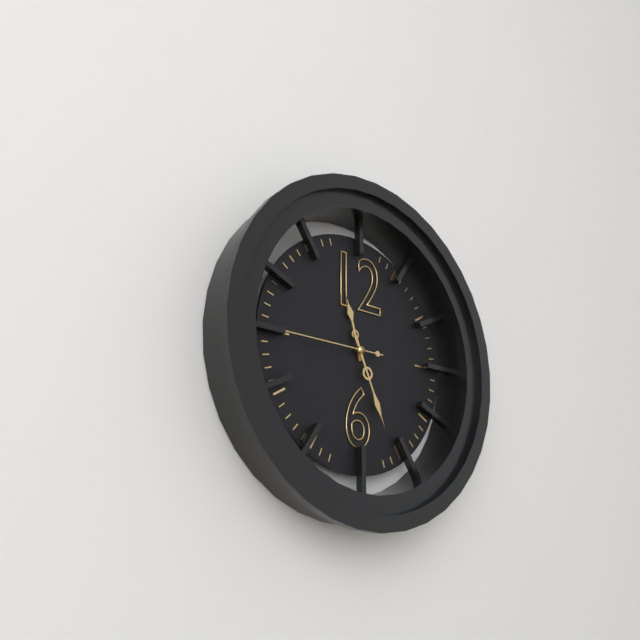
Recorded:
11.26.45
